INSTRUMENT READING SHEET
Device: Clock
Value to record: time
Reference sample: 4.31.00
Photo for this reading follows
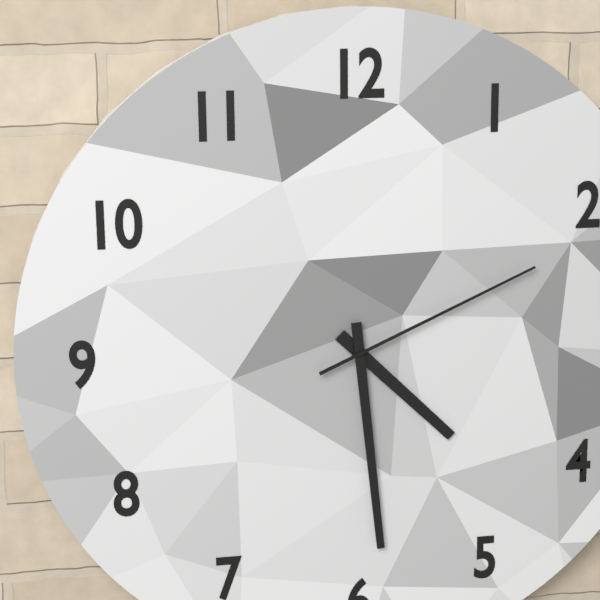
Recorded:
4.29.11
